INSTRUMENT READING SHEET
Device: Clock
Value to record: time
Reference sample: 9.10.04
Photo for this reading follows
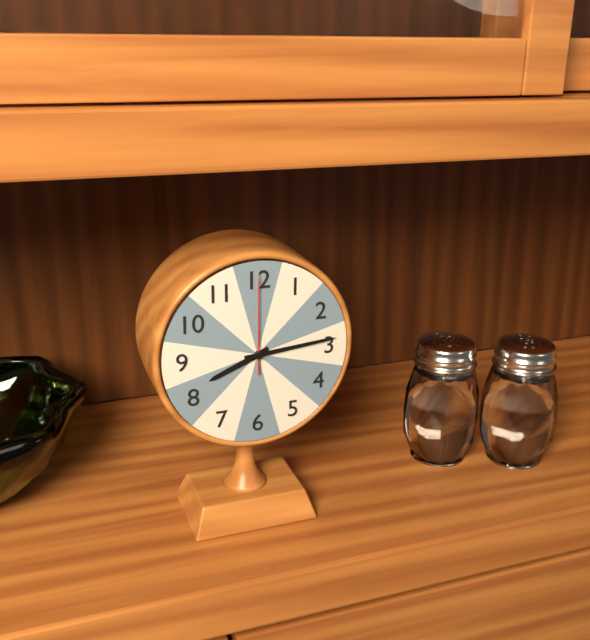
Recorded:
8.14.00
